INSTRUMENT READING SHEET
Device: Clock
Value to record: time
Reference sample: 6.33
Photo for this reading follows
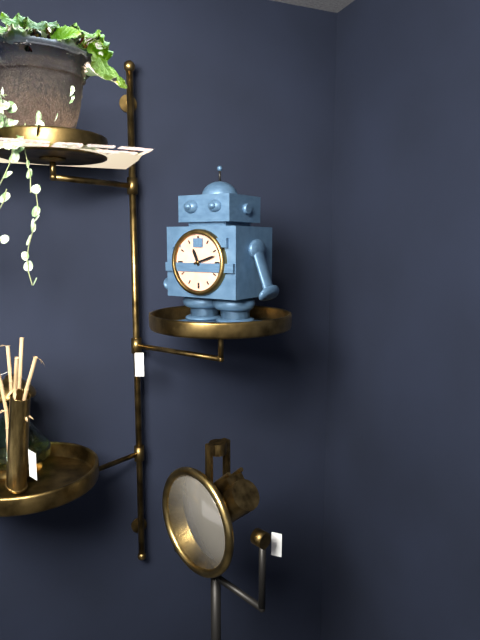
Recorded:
11.12
